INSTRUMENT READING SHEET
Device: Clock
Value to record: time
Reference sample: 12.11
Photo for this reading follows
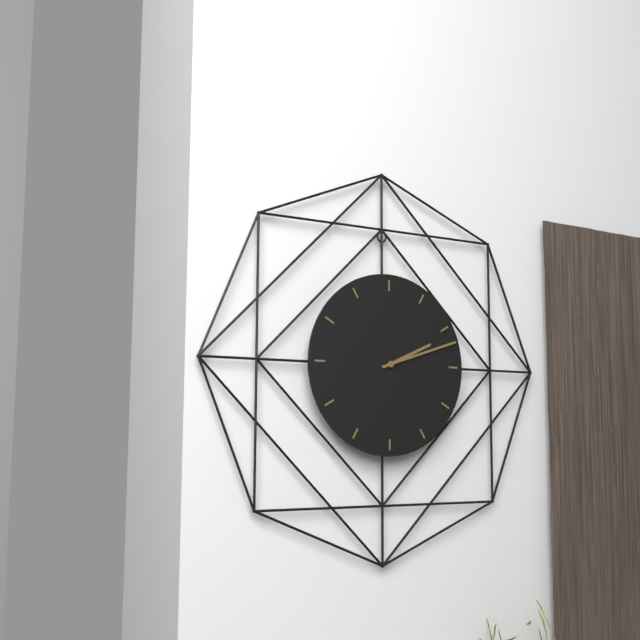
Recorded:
2.12
